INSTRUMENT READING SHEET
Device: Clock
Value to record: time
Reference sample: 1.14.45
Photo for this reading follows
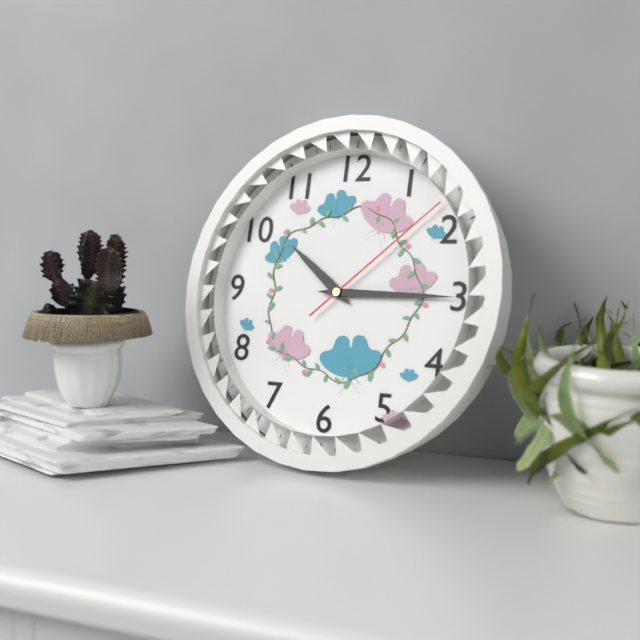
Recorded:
10.15.08
